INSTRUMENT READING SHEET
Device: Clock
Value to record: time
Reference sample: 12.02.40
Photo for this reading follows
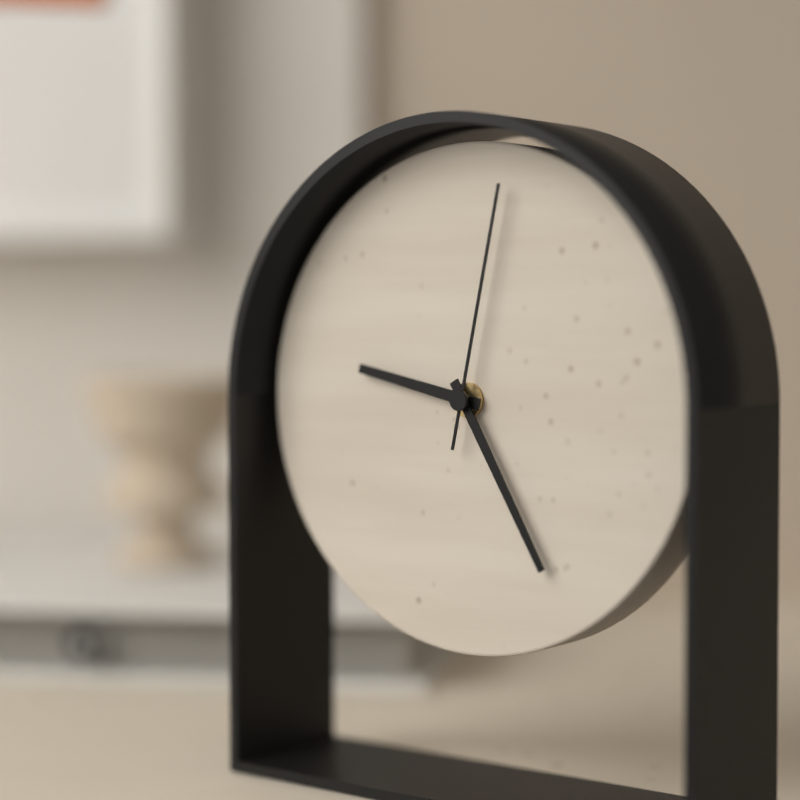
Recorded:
9.25.02
